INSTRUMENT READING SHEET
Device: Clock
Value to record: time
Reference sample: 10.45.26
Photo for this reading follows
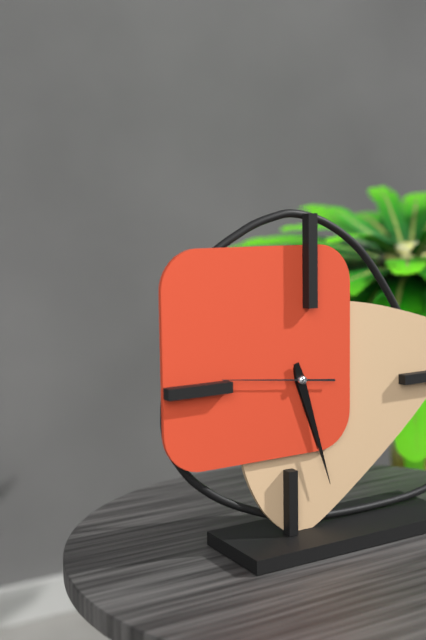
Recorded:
5.27.46
